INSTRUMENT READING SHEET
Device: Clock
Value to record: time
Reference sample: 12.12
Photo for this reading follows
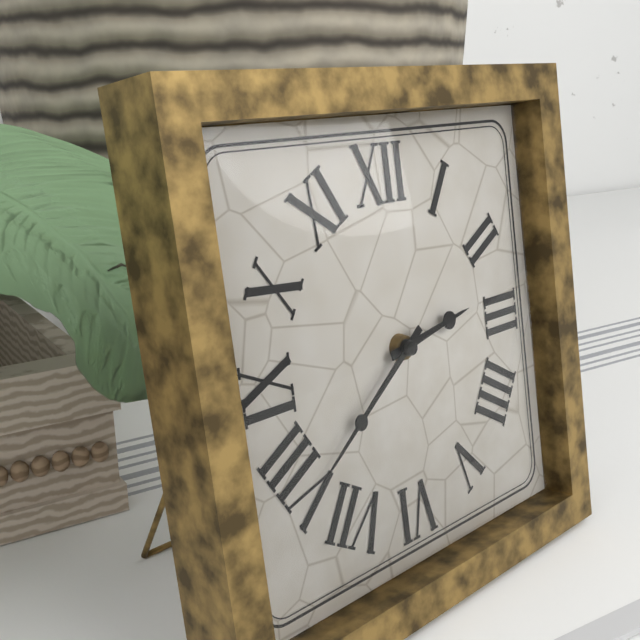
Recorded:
2.39
